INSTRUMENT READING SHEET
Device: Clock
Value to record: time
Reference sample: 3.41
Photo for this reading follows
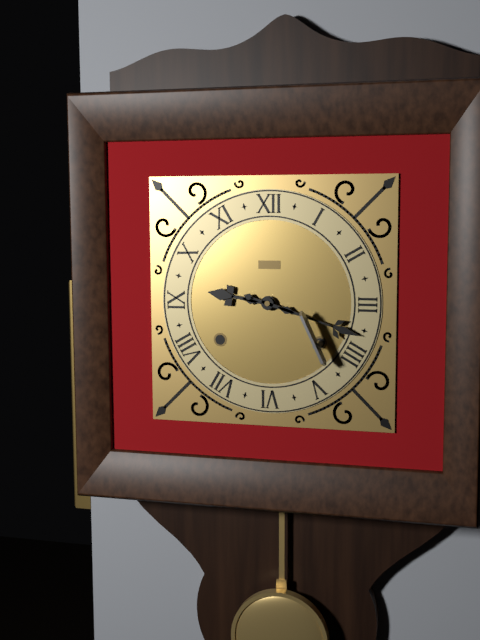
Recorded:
9.18
